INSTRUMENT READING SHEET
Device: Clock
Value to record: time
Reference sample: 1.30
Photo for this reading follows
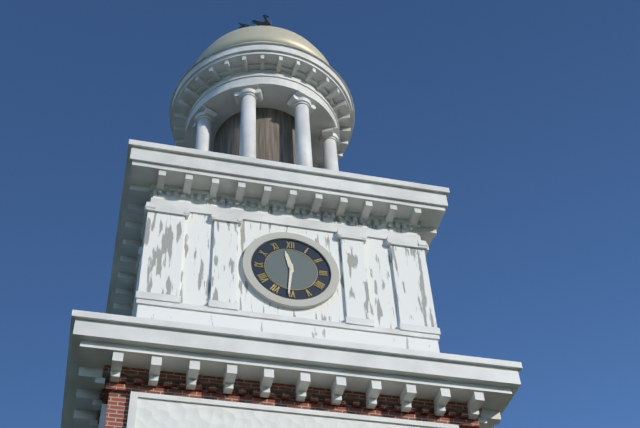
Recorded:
11.31
